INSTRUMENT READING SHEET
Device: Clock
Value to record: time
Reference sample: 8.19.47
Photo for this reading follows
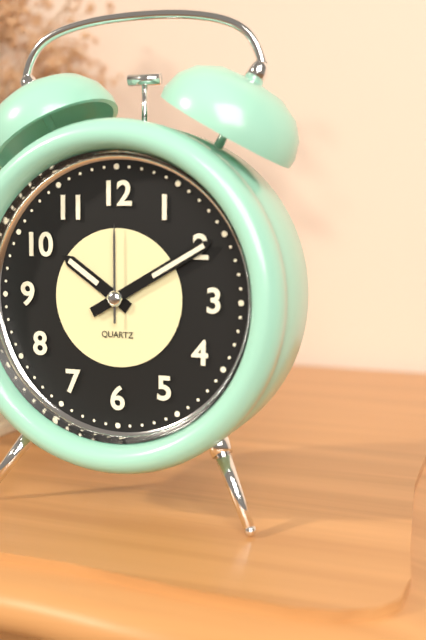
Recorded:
10.10.00
